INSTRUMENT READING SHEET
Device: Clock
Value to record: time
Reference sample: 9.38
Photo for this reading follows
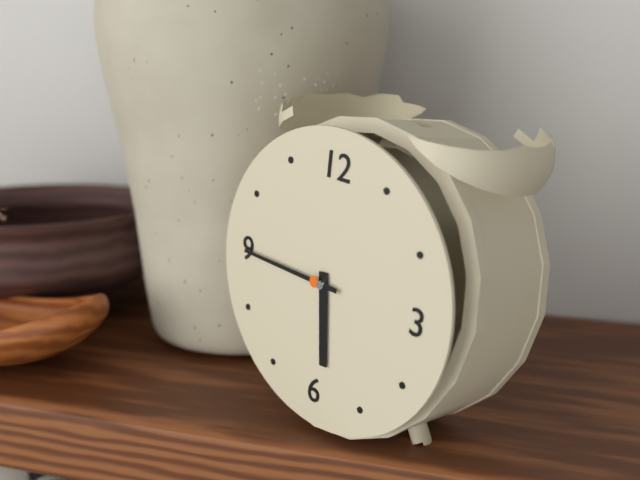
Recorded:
5.45
